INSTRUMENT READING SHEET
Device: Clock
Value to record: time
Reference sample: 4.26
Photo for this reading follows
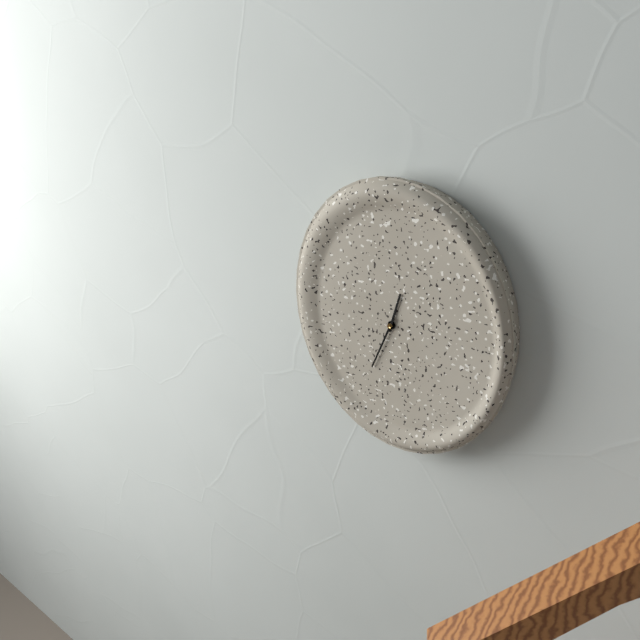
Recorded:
12.34
